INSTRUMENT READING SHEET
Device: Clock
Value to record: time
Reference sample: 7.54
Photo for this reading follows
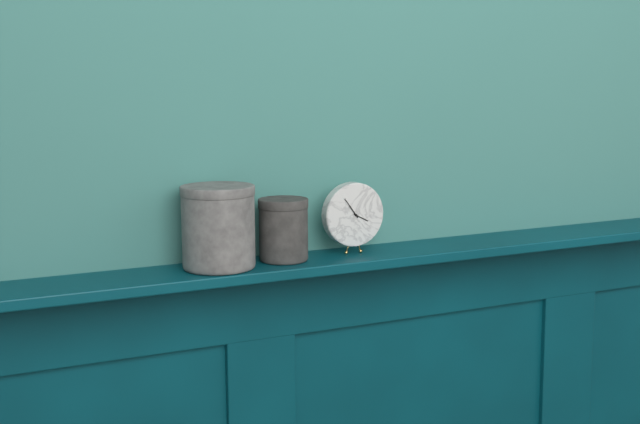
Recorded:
3.54
